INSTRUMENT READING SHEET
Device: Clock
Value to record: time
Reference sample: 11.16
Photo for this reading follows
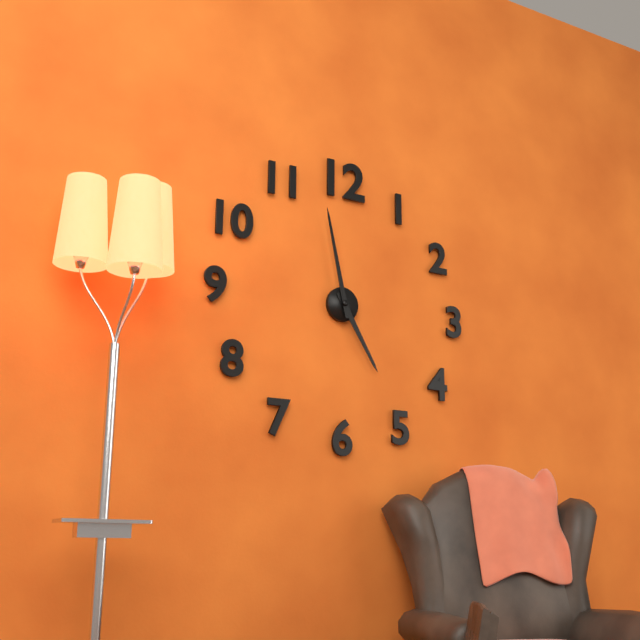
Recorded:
4.58
